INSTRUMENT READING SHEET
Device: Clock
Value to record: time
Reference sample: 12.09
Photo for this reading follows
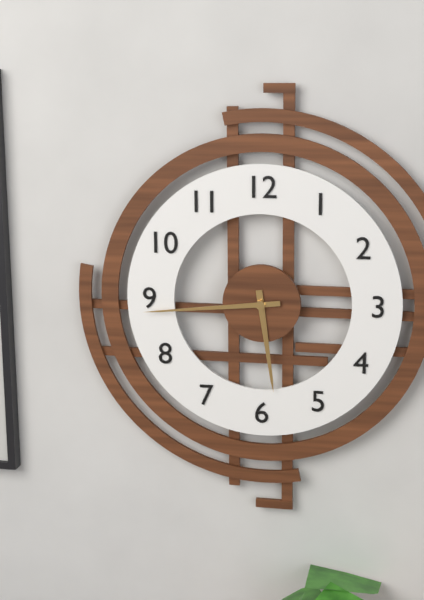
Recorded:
5.44
